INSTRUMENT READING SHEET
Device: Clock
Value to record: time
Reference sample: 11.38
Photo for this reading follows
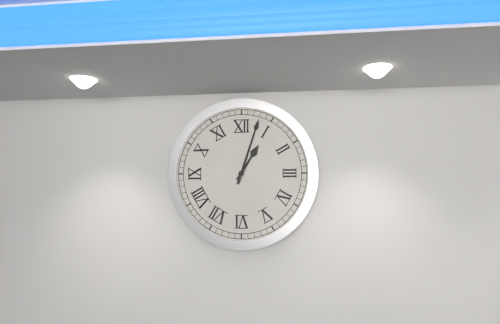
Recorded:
1.03
